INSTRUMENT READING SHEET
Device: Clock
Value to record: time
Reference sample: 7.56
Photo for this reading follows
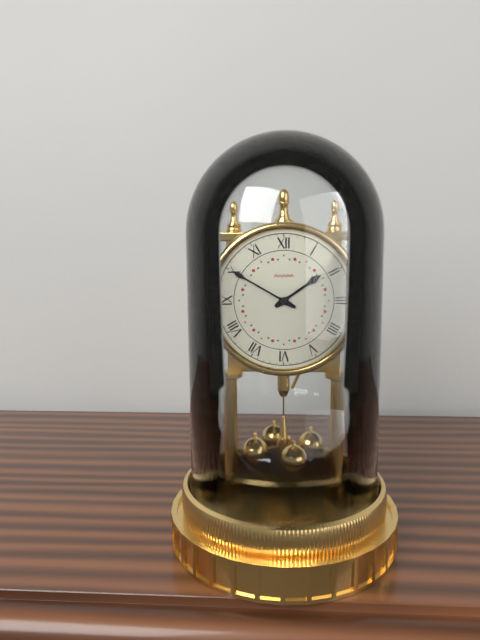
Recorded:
1.50
